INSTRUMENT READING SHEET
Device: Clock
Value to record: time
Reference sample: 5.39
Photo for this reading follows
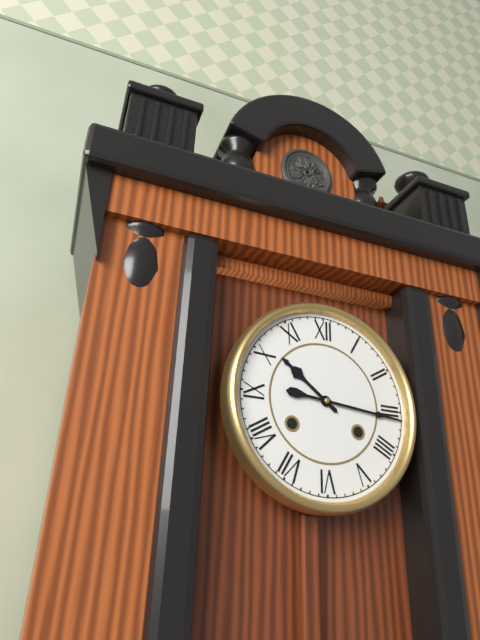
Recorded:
10.16
